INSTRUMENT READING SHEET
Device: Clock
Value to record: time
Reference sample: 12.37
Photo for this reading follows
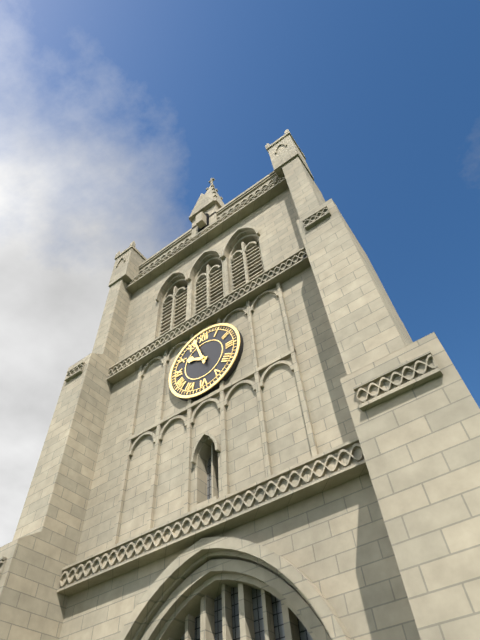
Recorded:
9.57
